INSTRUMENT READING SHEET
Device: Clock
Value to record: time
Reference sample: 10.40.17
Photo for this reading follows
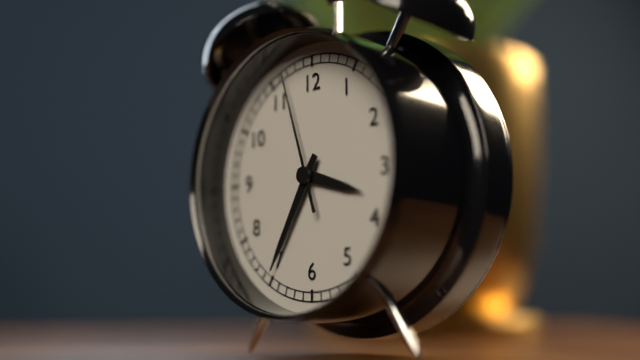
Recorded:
3.35.57
